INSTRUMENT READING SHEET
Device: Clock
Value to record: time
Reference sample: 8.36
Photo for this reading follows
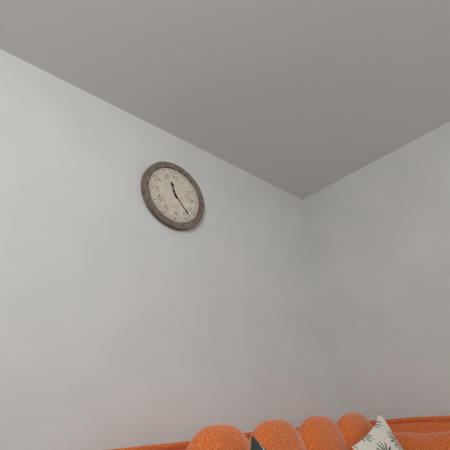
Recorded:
11.23
